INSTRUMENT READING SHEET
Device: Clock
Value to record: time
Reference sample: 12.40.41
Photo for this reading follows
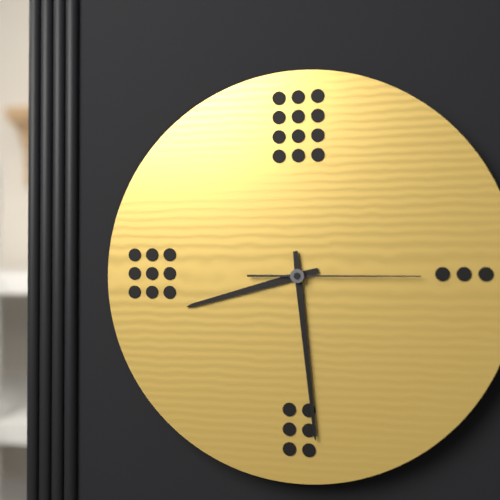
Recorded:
8.29.15
